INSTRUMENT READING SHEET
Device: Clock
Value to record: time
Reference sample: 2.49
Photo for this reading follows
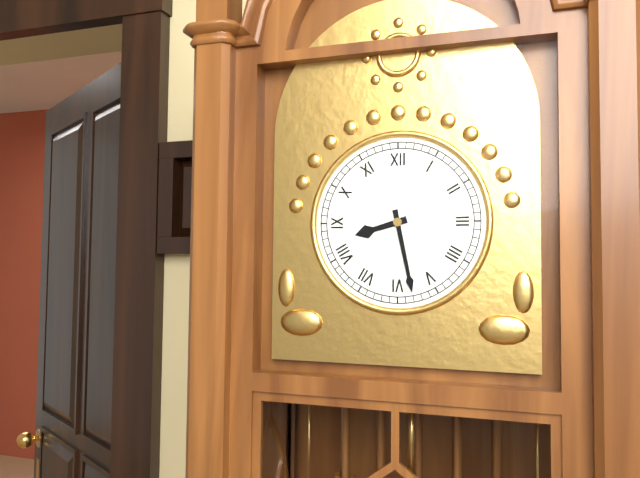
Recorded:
8.28
